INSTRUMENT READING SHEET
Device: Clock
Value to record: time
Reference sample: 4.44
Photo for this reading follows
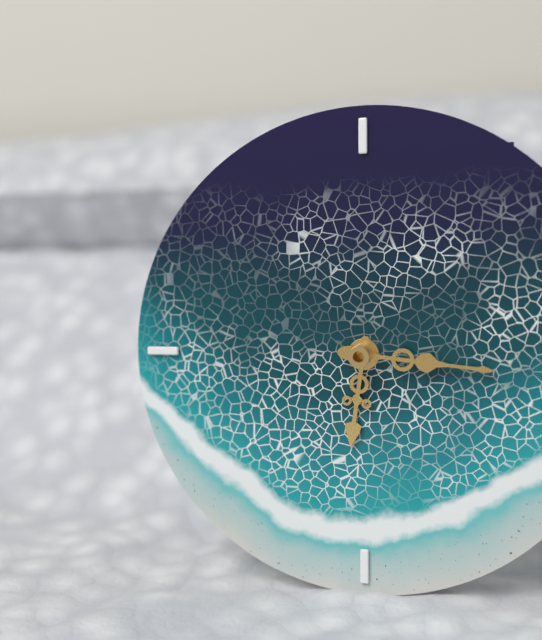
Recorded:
6.16
